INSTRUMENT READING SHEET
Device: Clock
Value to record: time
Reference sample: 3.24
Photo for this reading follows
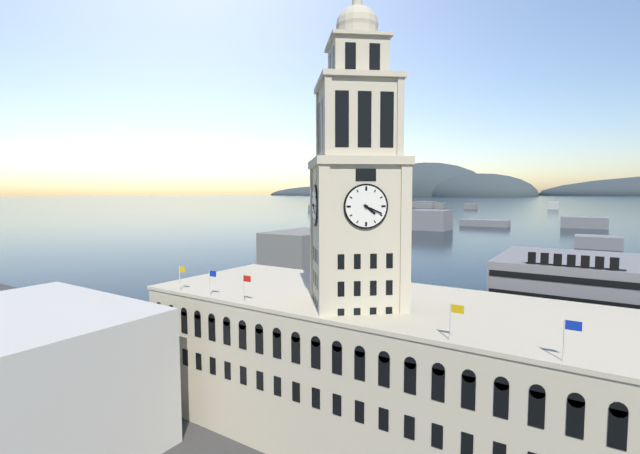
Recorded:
4.19
